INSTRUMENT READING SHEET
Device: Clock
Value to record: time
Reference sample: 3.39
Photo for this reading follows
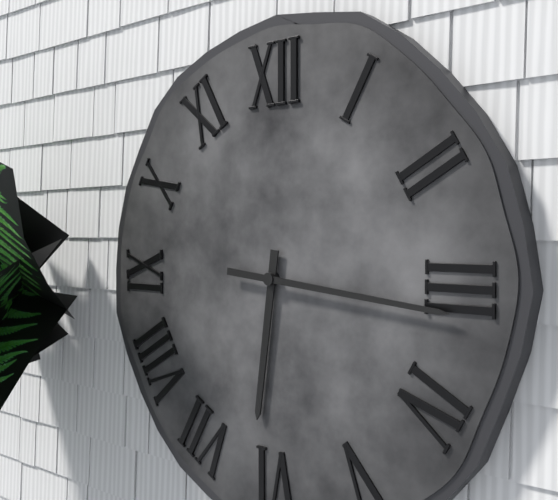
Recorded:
6.16
